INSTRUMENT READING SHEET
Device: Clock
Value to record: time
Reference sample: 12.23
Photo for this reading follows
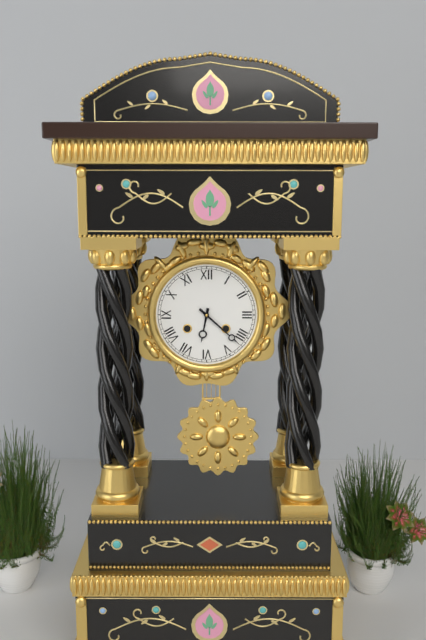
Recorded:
6.22
